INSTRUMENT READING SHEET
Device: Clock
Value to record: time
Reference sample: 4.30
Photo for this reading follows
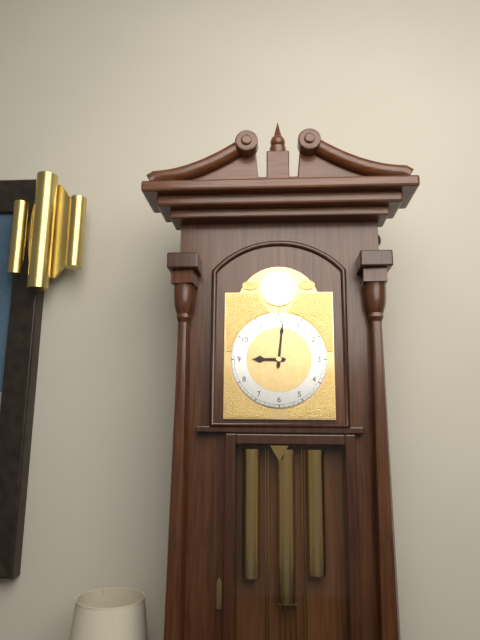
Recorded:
9.01
